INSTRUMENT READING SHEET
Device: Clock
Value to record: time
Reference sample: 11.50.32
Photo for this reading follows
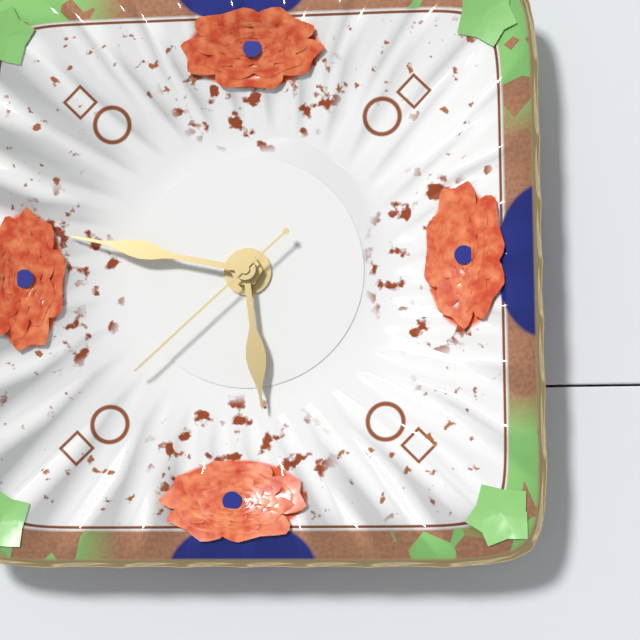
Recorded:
5.47.38
